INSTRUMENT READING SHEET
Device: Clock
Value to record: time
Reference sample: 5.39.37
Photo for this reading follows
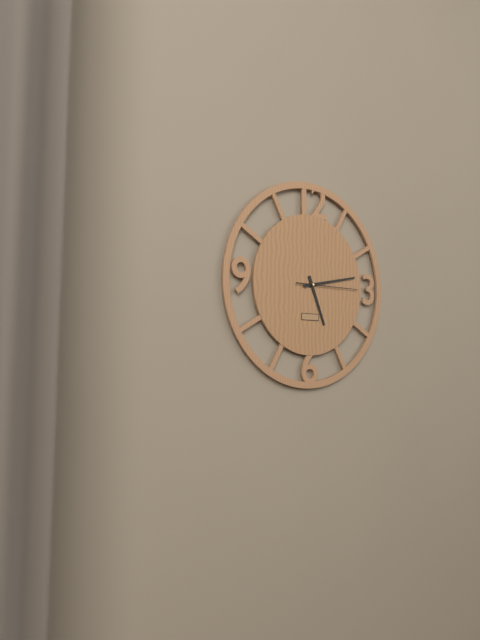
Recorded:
5.13.15
